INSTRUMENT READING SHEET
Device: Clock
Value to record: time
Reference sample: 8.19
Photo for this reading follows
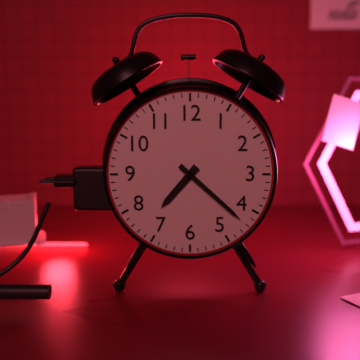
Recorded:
7.22
